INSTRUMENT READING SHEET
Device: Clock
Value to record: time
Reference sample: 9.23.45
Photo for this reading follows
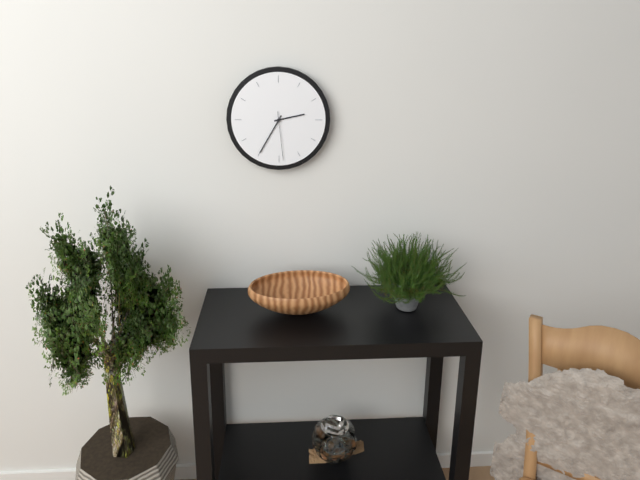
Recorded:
2.35.29
